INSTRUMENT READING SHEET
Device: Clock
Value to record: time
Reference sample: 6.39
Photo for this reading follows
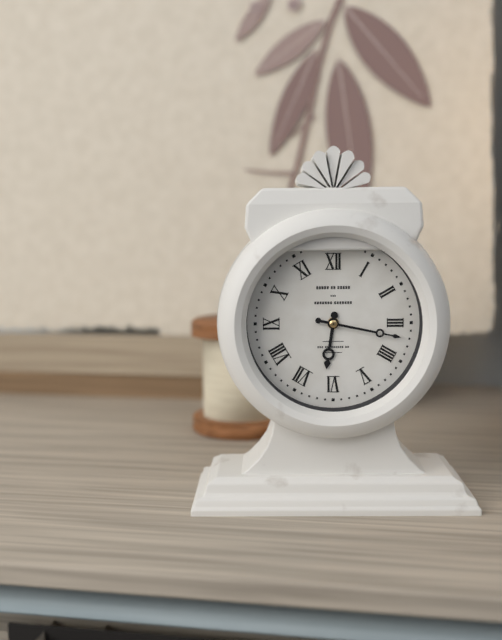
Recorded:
6.17
